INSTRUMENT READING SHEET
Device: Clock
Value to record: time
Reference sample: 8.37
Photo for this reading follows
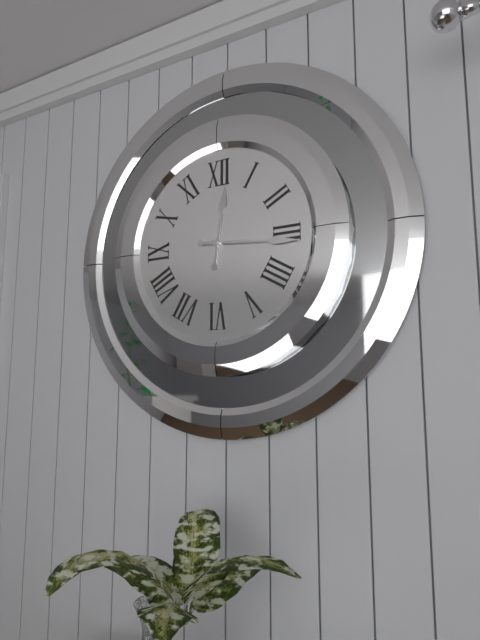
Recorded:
12.16
